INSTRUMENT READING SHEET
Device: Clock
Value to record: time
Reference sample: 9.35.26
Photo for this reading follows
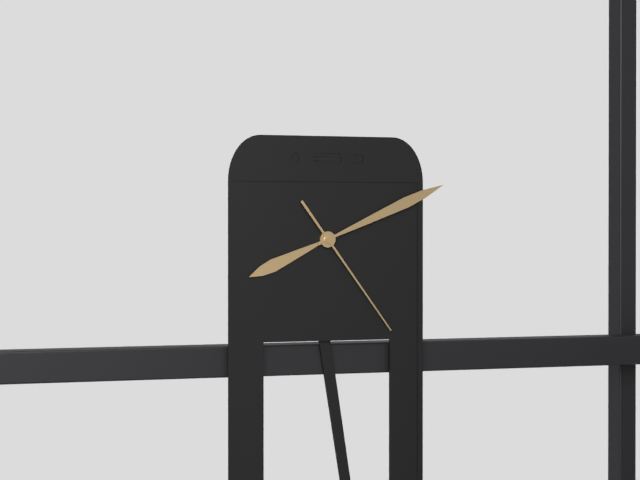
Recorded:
8.11.24
